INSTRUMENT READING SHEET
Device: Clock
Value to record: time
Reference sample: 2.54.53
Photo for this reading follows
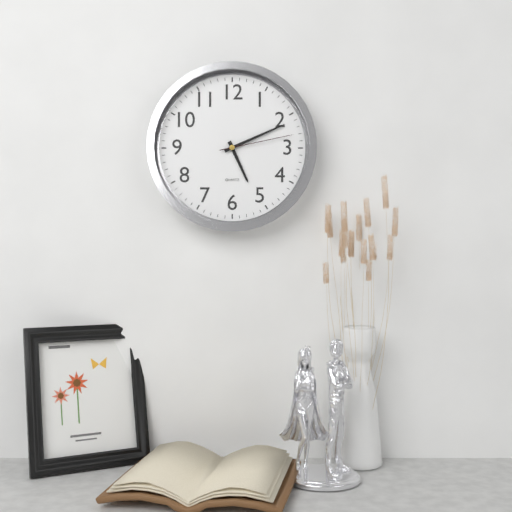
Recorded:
5.11.13
